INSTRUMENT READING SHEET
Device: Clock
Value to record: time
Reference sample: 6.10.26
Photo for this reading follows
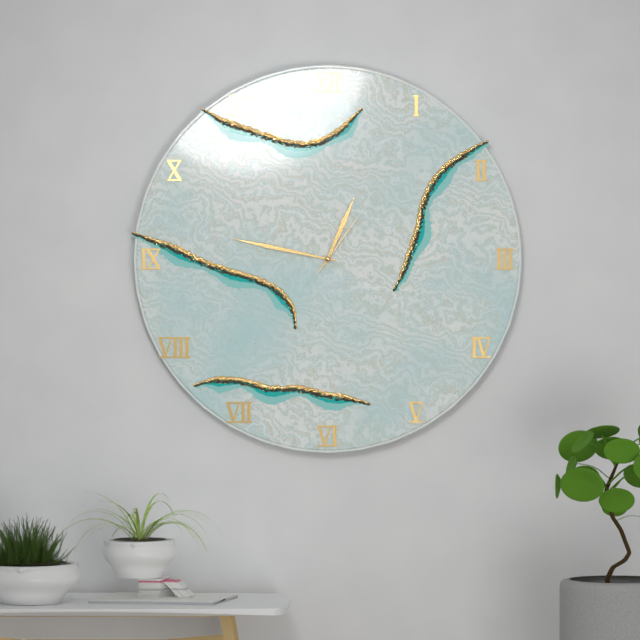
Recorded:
12.47.06
